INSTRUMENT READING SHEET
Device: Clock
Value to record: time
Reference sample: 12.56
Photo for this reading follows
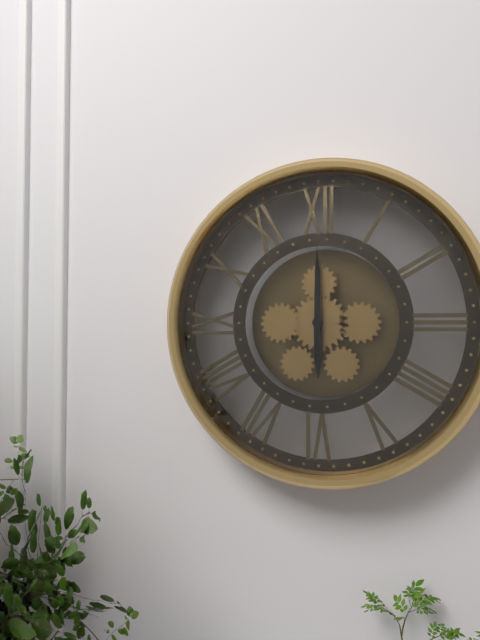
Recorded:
6.00
